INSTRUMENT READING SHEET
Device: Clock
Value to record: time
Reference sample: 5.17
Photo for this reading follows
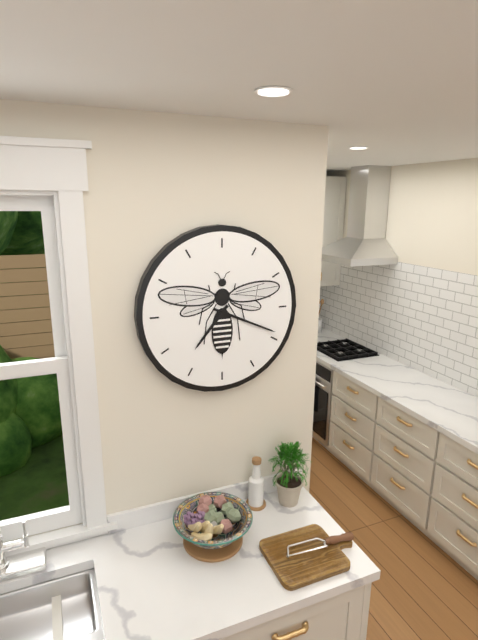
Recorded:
7.19
